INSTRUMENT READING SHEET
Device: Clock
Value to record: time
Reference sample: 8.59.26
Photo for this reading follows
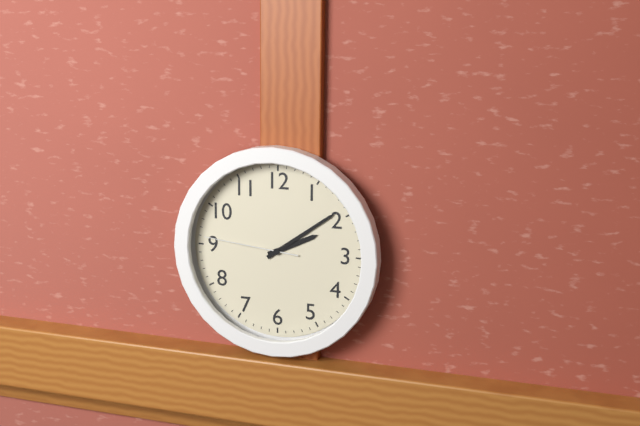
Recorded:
2.09.46
